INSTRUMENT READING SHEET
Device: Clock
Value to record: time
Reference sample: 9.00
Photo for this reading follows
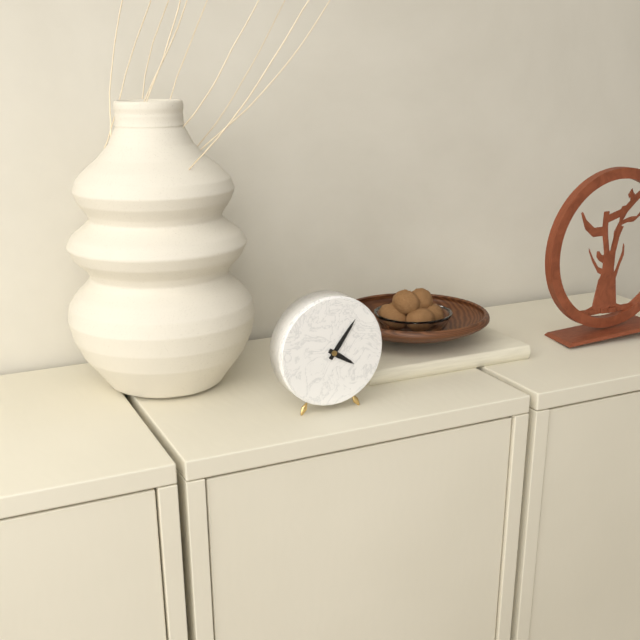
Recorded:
4.06
